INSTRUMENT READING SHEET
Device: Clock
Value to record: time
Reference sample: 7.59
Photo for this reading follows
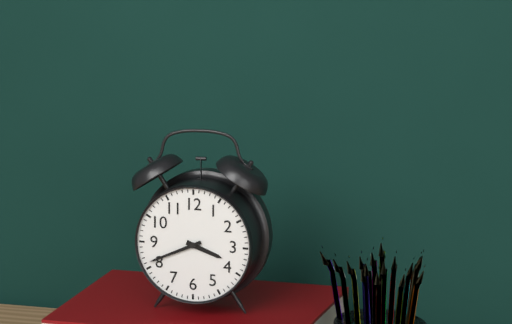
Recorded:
3.41
